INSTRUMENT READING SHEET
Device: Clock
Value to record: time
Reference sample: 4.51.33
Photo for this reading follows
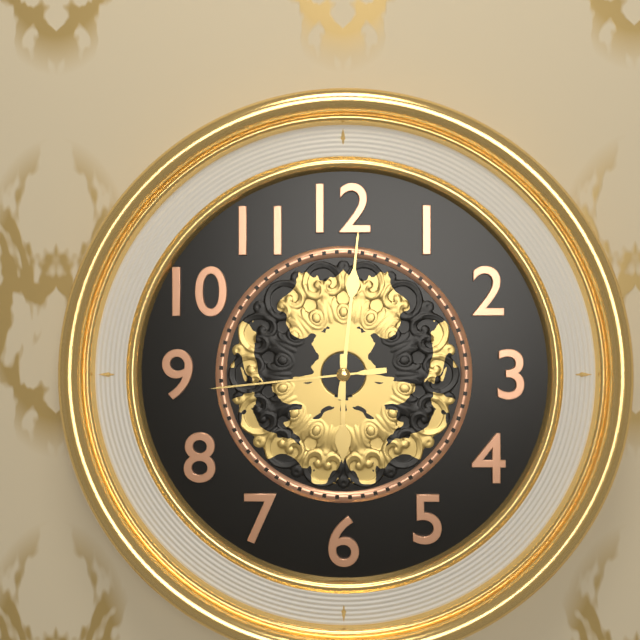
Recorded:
6.01.44
